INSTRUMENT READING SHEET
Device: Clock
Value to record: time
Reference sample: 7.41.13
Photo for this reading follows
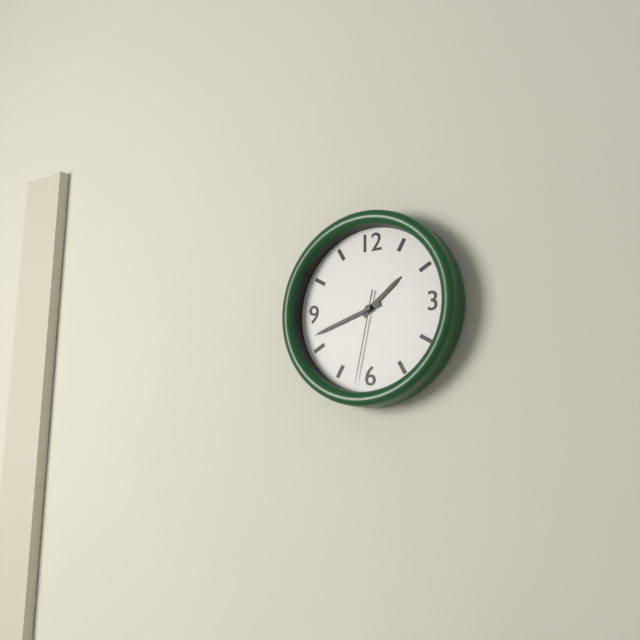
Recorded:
1.42.32
